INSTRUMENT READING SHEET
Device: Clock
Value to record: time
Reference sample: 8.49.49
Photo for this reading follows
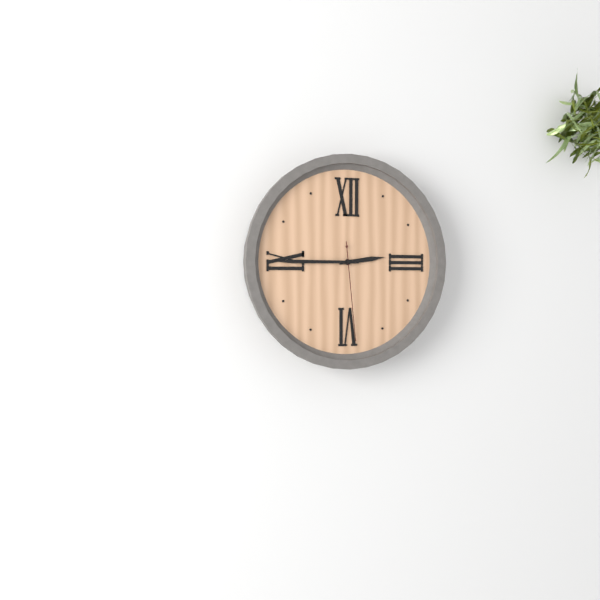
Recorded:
2.45.29
